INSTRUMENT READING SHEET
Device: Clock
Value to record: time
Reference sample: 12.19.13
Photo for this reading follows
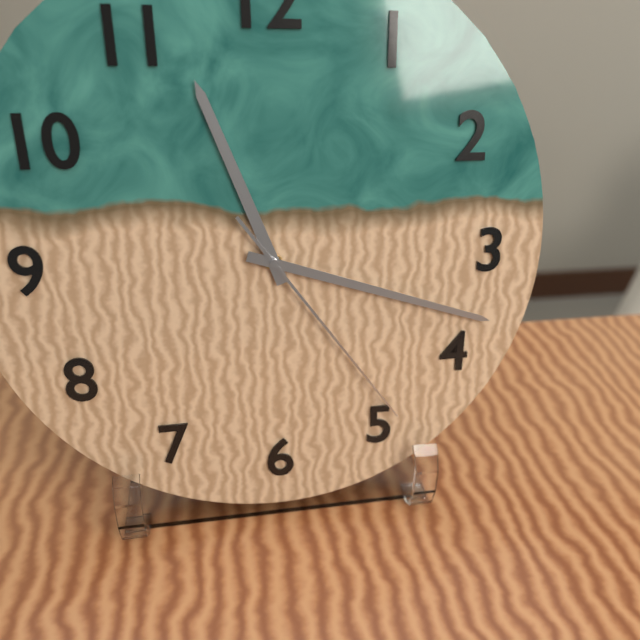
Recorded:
11.18.24
